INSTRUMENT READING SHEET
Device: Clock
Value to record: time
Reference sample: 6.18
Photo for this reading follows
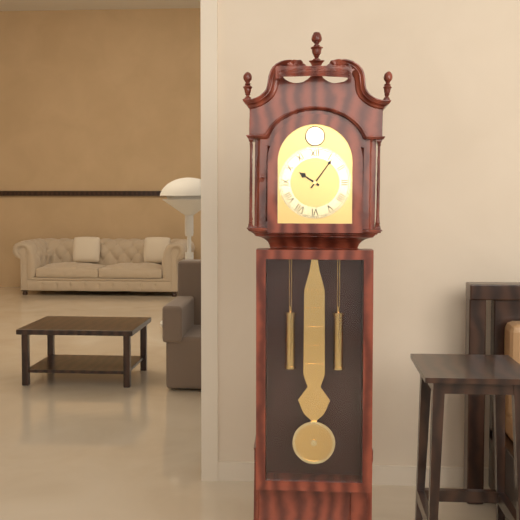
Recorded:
10.06
